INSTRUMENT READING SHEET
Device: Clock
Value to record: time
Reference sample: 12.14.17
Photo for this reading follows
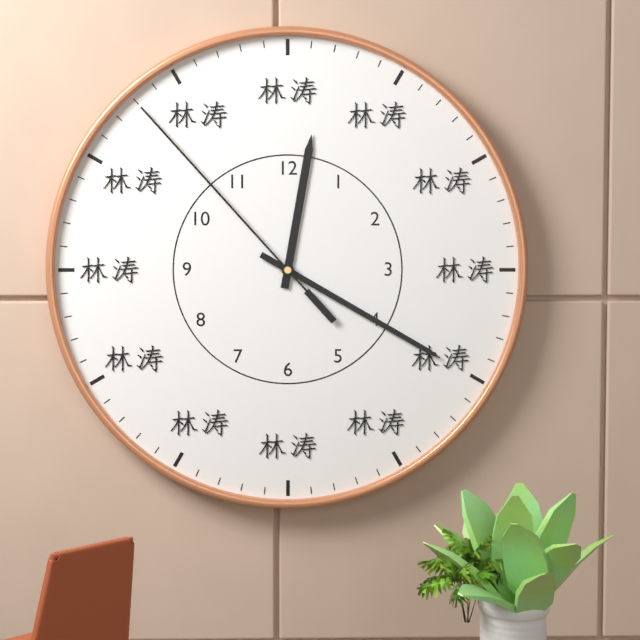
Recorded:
12.20.53
